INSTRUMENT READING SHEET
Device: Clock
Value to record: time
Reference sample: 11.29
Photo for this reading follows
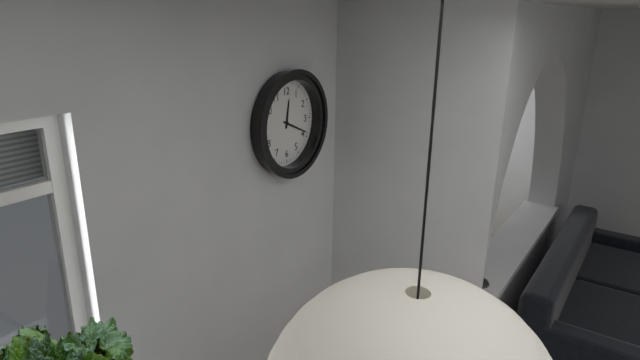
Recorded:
12.19
